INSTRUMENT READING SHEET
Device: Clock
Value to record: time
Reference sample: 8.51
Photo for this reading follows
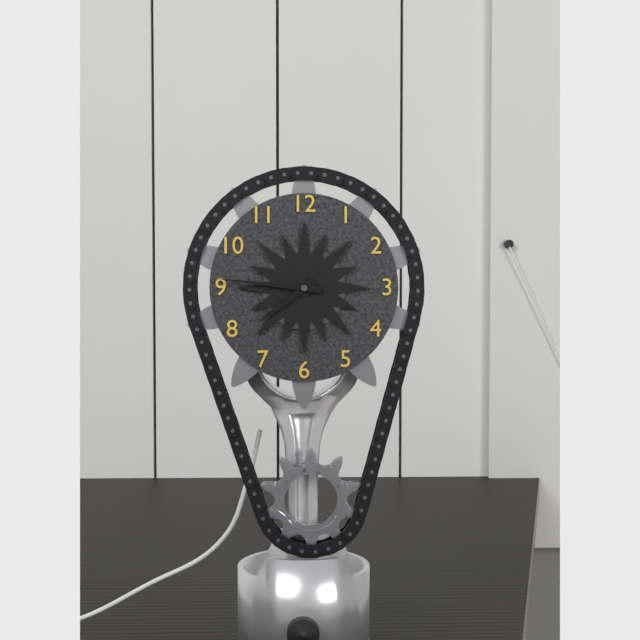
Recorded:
7.46
